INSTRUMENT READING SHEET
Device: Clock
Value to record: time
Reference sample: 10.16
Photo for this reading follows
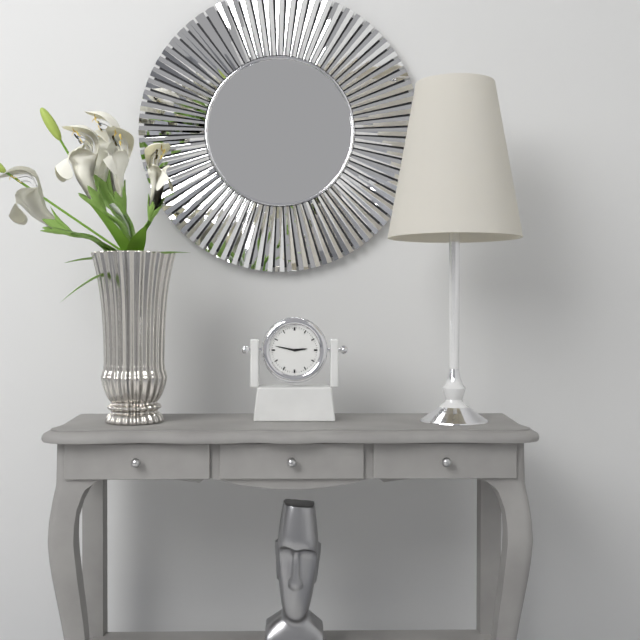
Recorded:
2.47
